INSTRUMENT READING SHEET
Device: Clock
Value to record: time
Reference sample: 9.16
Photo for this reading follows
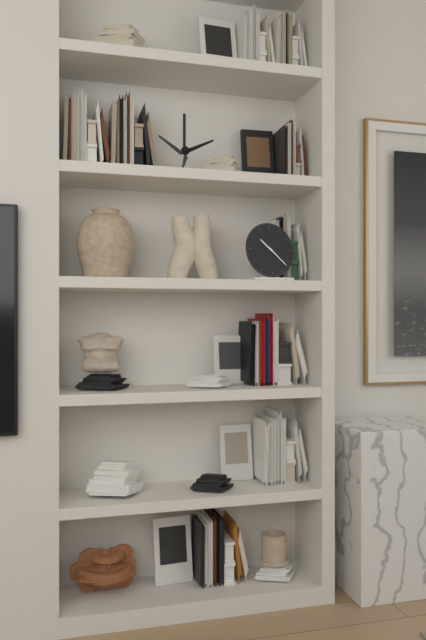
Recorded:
10.22
